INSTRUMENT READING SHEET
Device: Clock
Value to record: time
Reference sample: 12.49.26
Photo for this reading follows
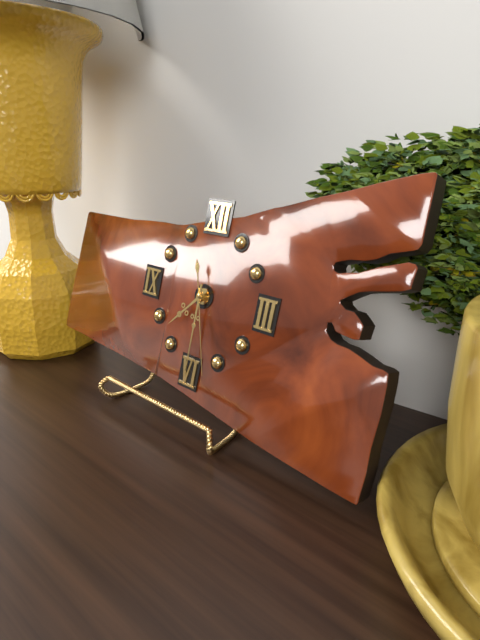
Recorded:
7.30.27
